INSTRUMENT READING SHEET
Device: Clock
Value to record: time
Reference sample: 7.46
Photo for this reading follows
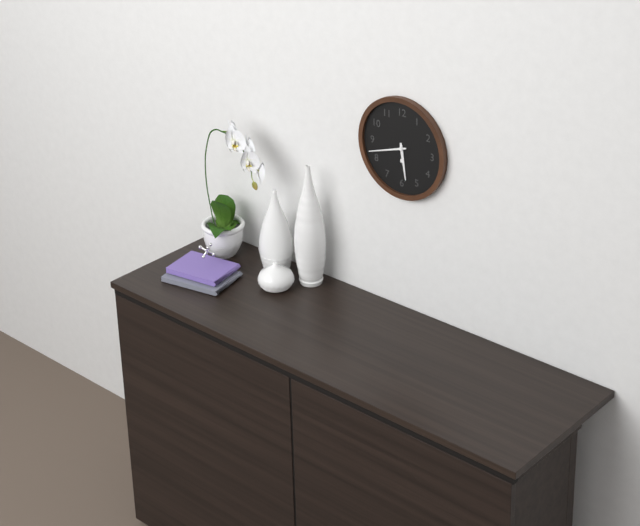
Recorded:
5.42
